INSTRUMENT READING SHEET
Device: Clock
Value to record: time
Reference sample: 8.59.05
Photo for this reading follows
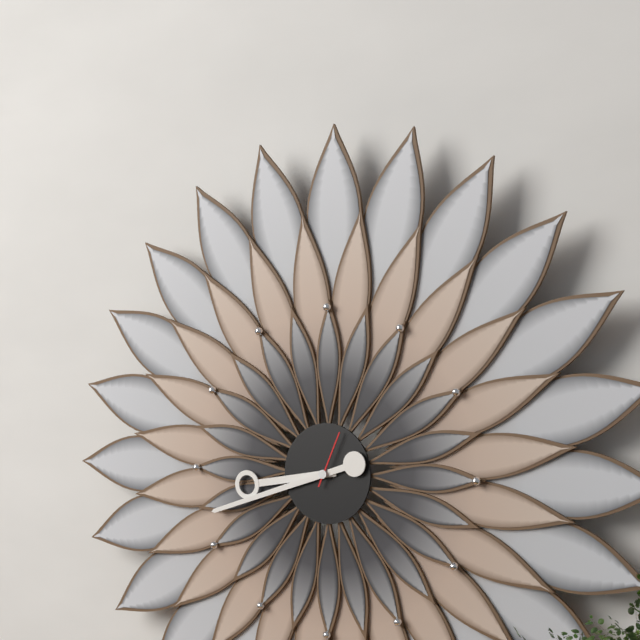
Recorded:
8.42.04
